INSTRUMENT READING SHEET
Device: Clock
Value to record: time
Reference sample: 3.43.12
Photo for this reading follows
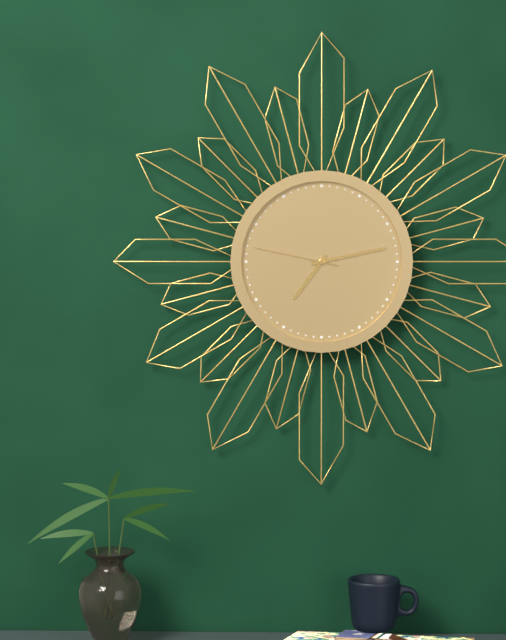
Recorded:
7.13.47
